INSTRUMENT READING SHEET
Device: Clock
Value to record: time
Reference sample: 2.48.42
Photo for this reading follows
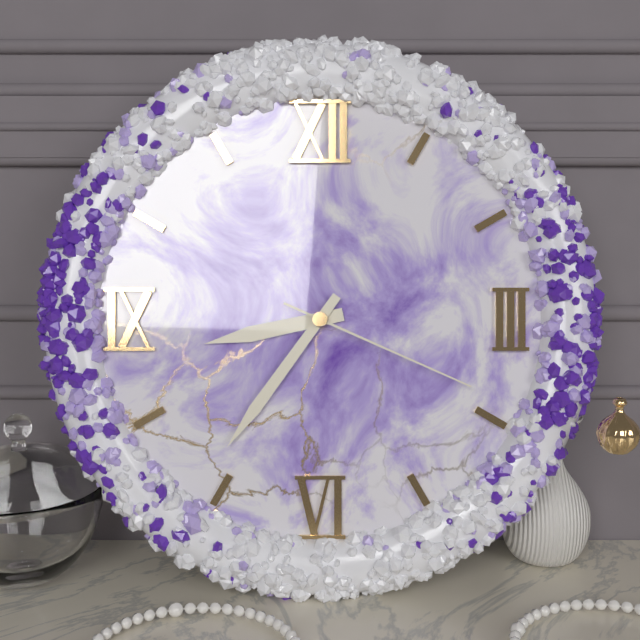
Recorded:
8.36.19
